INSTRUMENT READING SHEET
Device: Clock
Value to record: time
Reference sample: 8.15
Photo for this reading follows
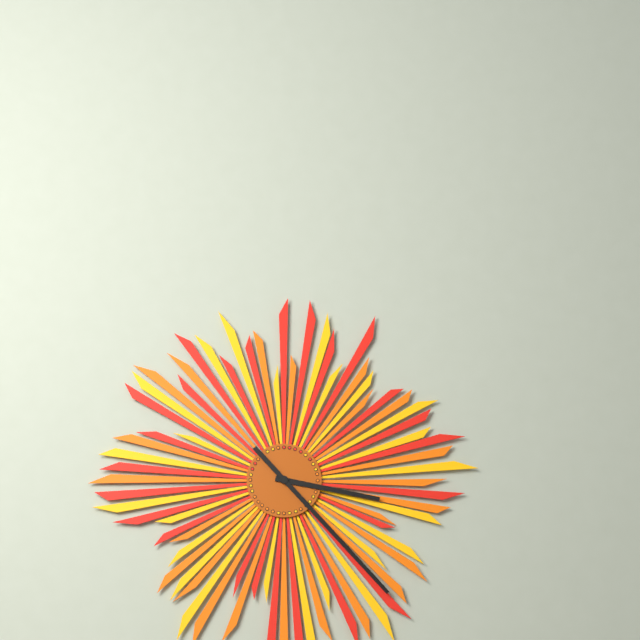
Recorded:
3.23
